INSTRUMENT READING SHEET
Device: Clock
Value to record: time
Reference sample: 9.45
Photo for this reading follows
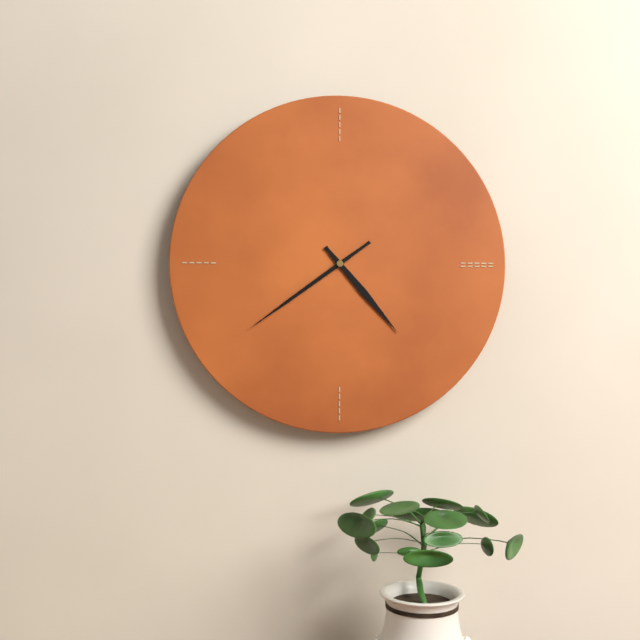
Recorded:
4.39
